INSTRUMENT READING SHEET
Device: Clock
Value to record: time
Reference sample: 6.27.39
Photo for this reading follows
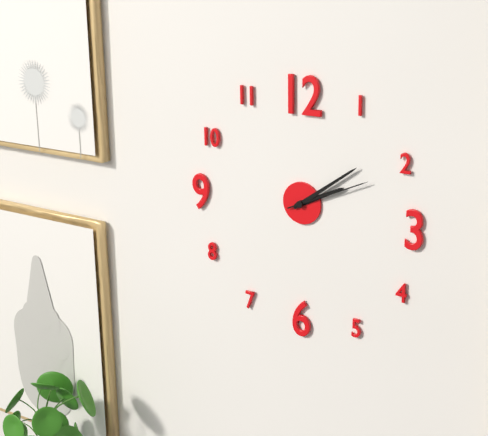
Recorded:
2.09.11
